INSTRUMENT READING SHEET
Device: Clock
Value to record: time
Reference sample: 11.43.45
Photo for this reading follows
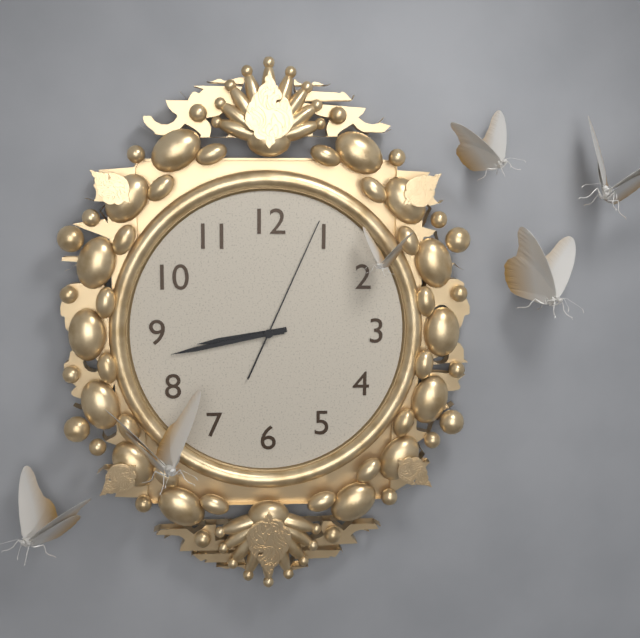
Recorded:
8.43.04
